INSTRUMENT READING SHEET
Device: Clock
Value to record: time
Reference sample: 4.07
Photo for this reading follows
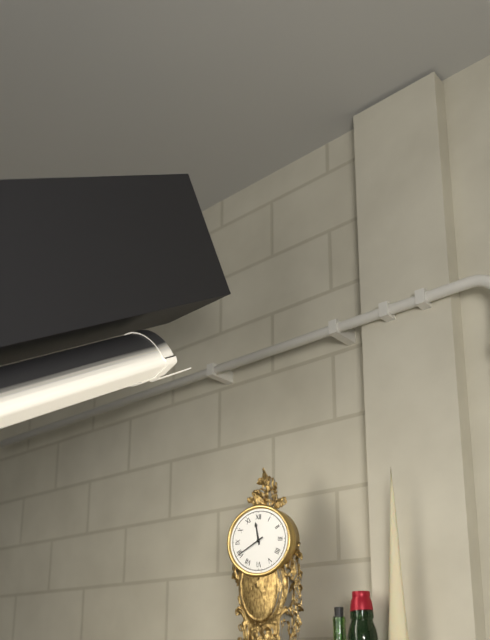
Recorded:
11.40
